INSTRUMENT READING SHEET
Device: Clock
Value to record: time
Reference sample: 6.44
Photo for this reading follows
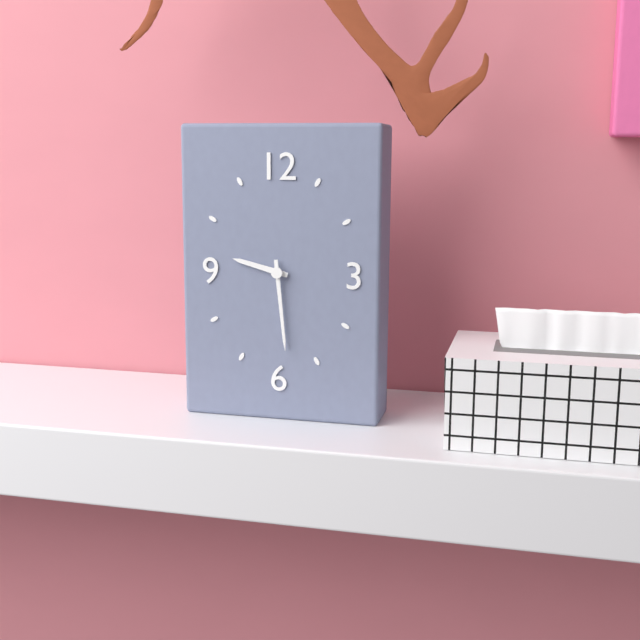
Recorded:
9.29
